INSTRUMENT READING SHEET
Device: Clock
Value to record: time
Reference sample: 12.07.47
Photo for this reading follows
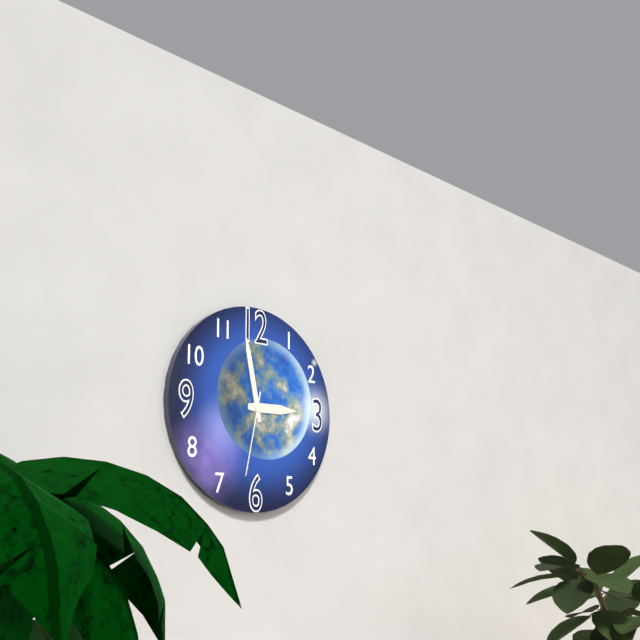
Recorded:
2.58.32
